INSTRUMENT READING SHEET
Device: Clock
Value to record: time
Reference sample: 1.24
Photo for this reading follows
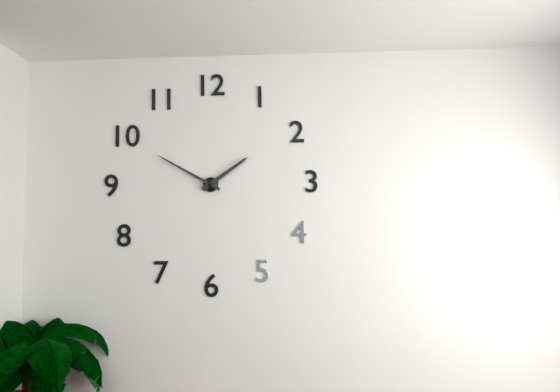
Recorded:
1.50
